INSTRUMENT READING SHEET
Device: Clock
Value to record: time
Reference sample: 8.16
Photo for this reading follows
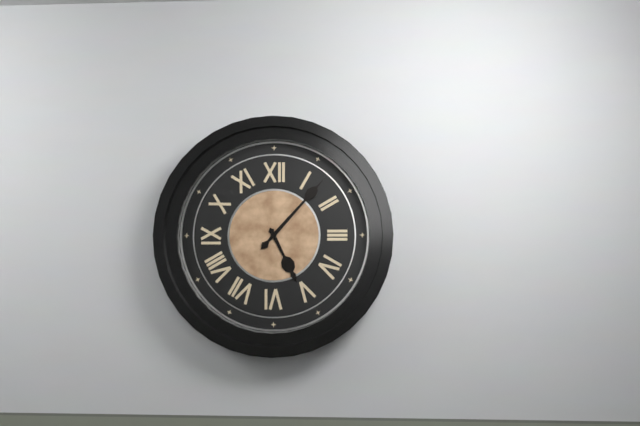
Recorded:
5.07
